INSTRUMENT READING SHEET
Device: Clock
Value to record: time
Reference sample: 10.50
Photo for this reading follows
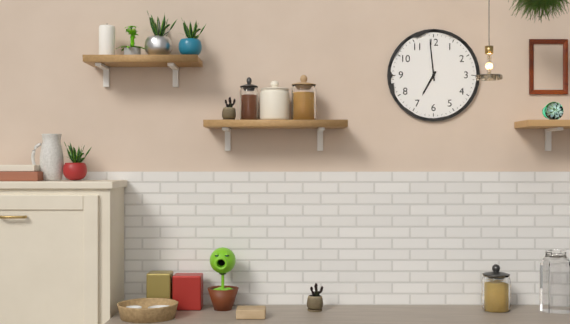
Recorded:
6.59
